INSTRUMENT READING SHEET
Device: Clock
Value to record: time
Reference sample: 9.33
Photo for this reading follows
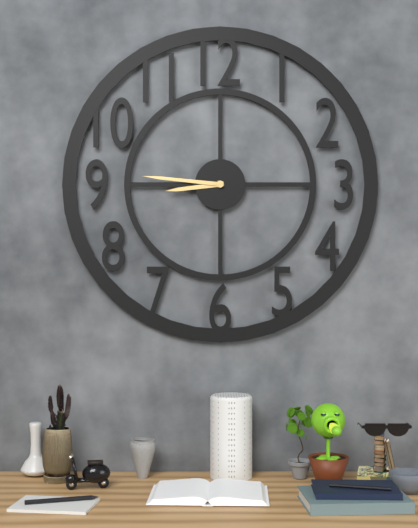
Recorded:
8.46
